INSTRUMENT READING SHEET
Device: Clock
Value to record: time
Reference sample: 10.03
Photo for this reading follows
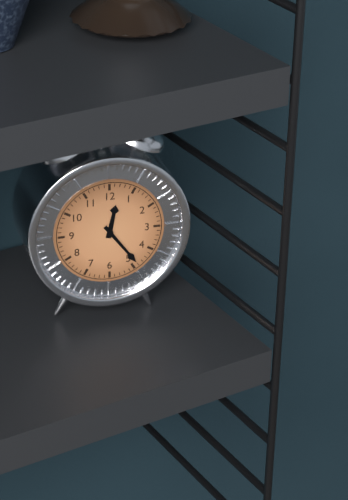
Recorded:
12.24
